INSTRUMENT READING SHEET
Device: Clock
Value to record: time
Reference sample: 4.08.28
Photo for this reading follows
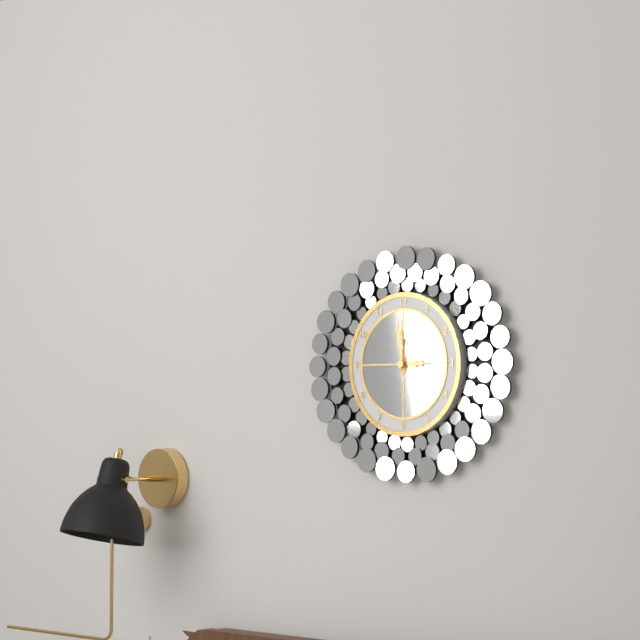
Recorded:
2.59.01
